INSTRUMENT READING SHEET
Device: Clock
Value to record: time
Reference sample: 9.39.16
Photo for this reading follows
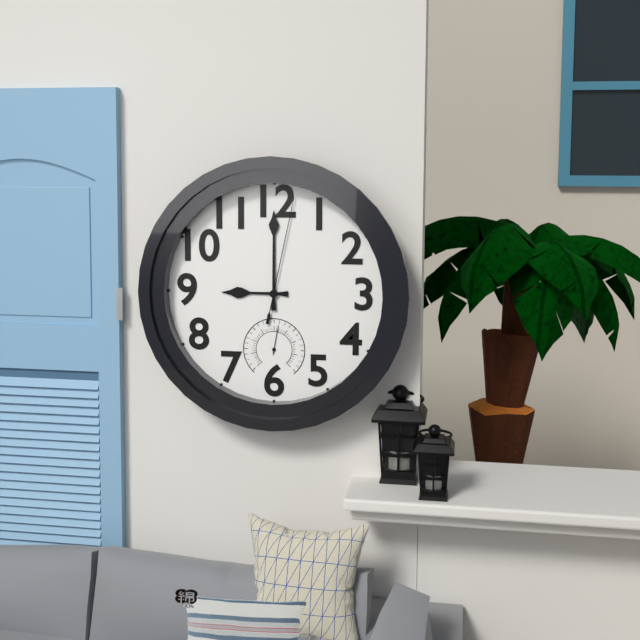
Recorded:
9.00.02
